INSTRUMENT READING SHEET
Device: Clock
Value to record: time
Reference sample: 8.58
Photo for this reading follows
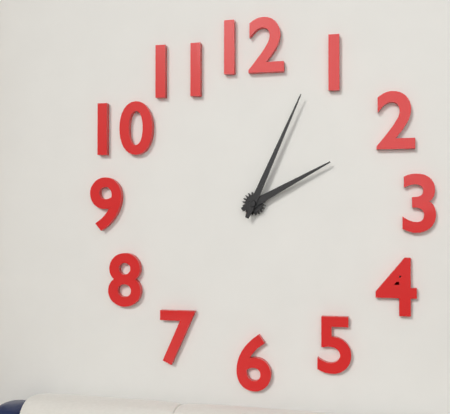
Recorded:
2.04
